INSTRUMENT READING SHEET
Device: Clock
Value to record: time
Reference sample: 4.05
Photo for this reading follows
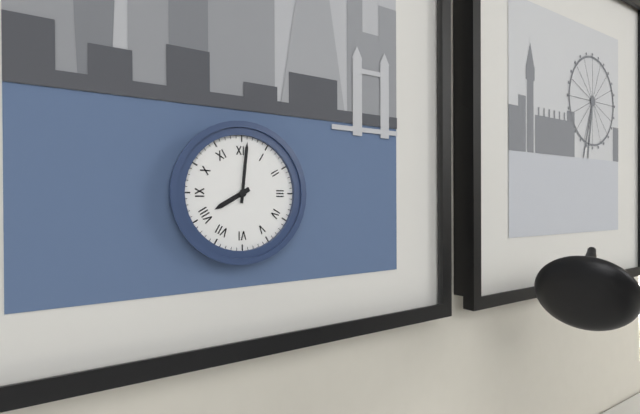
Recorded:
8.01
